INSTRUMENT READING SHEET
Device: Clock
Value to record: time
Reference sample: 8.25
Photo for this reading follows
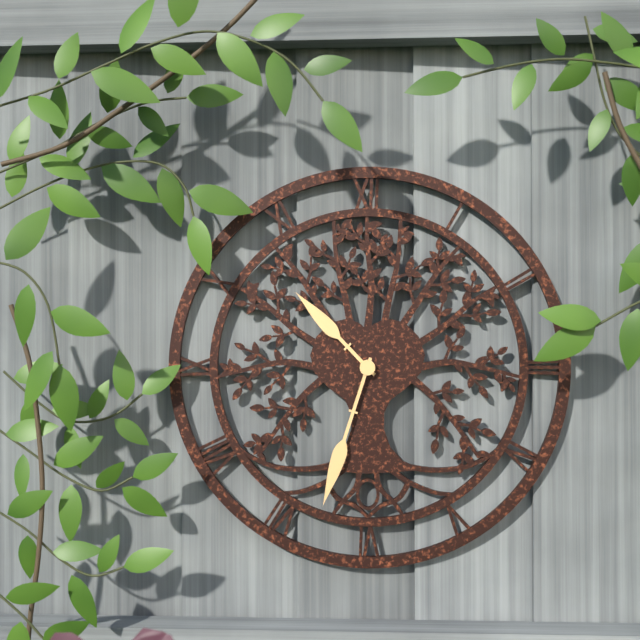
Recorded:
10.33
